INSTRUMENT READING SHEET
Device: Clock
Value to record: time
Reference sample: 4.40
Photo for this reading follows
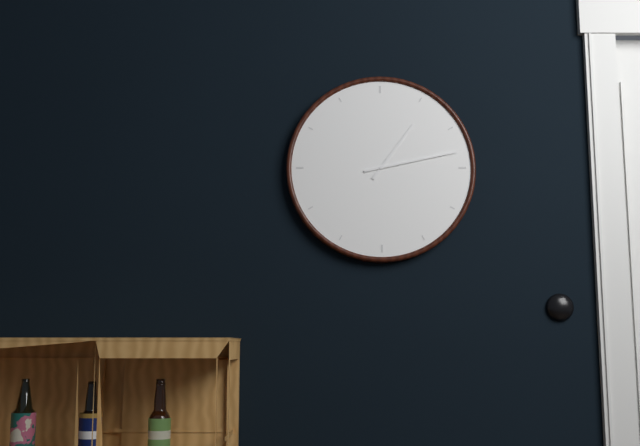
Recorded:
1.13
